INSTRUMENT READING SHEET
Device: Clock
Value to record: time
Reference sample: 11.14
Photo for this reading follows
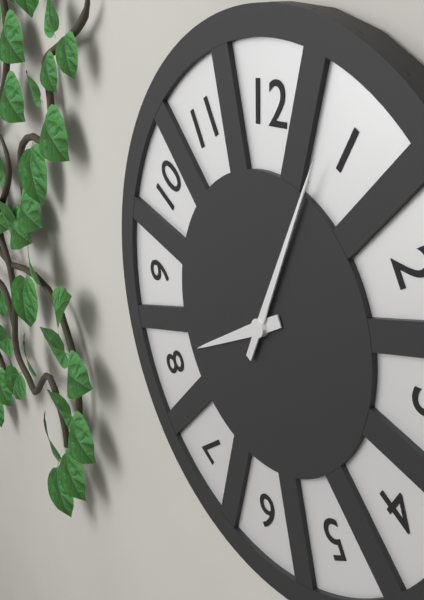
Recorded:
8.04
